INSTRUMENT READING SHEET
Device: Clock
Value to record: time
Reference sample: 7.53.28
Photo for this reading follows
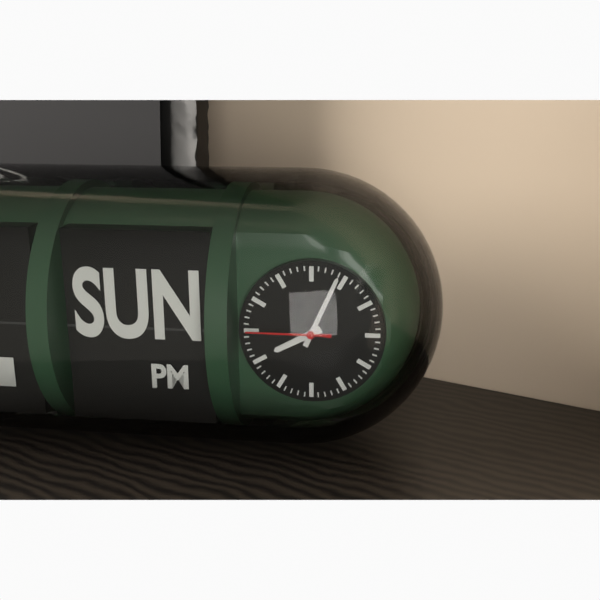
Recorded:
8.04.45
